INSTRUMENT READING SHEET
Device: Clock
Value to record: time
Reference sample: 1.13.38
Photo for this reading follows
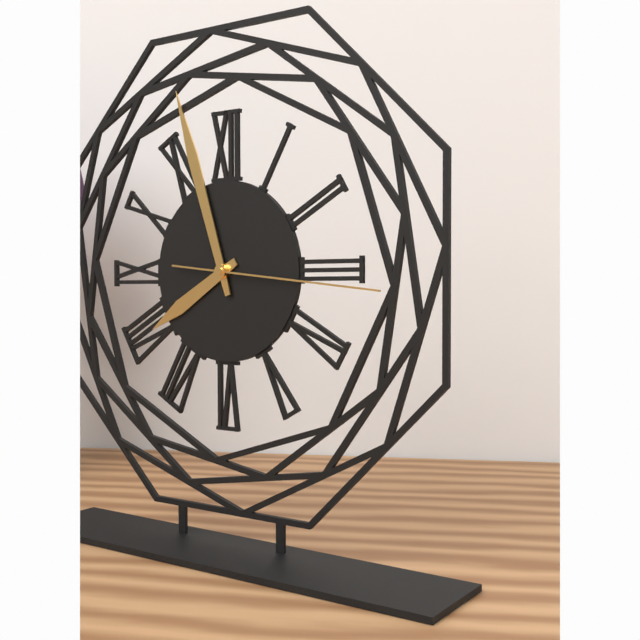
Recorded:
7.57.16
